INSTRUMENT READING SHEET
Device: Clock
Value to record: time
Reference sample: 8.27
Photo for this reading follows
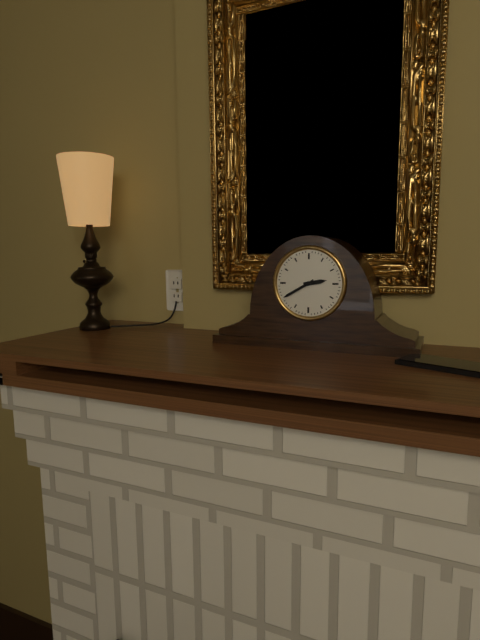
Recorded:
2.40
